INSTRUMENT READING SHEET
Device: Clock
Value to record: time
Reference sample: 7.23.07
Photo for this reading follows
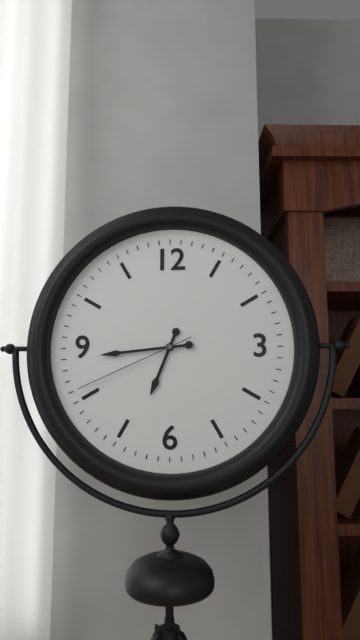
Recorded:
6.44.41
